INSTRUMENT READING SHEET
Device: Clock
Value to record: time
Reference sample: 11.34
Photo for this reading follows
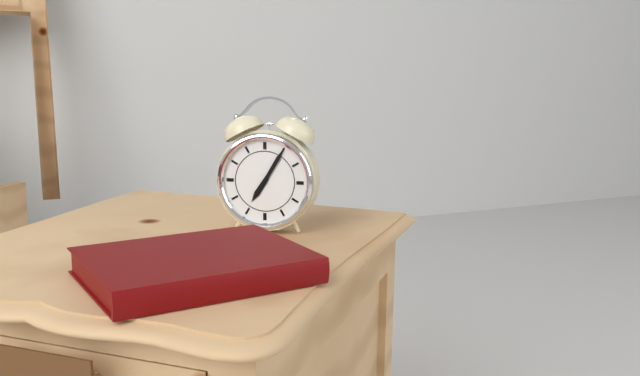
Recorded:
7.05
